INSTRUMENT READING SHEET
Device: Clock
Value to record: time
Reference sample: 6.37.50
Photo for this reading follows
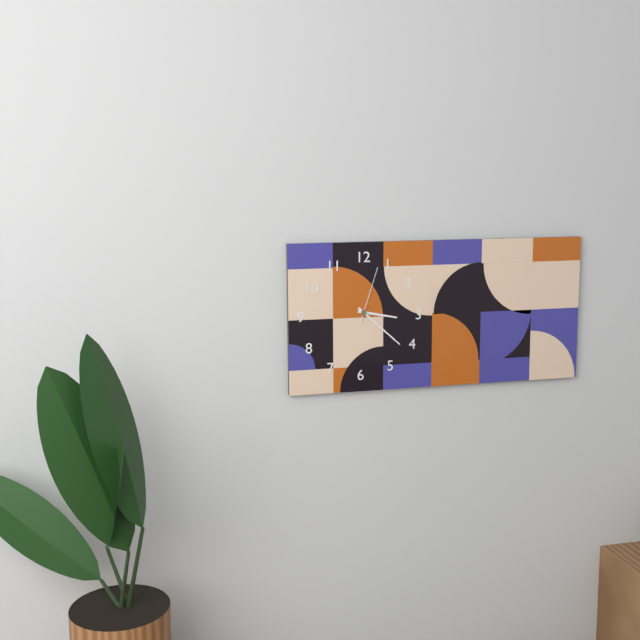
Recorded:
3.22.03
